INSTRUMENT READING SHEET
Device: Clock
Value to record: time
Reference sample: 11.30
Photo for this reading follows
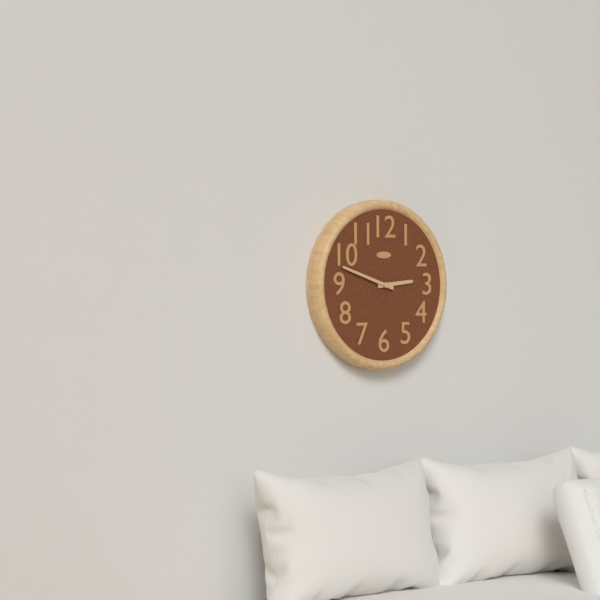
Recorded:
2.48
